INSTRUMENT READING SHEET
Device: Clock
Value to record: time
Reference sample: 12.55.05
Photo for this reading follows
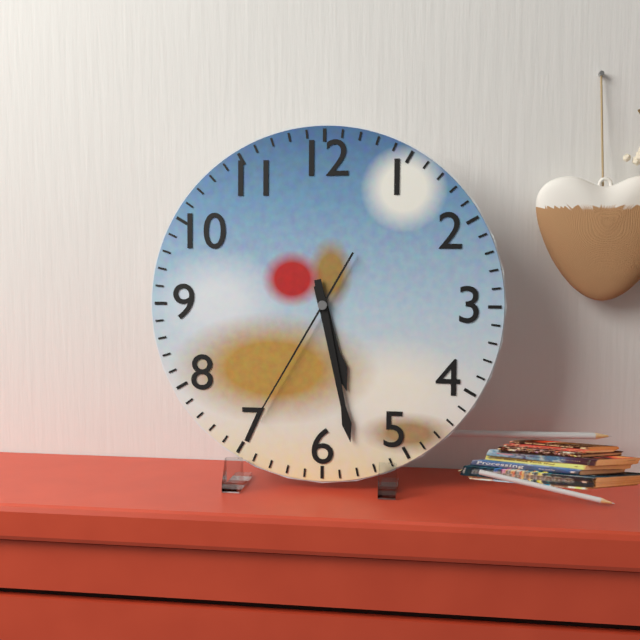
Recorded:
5.28.35
